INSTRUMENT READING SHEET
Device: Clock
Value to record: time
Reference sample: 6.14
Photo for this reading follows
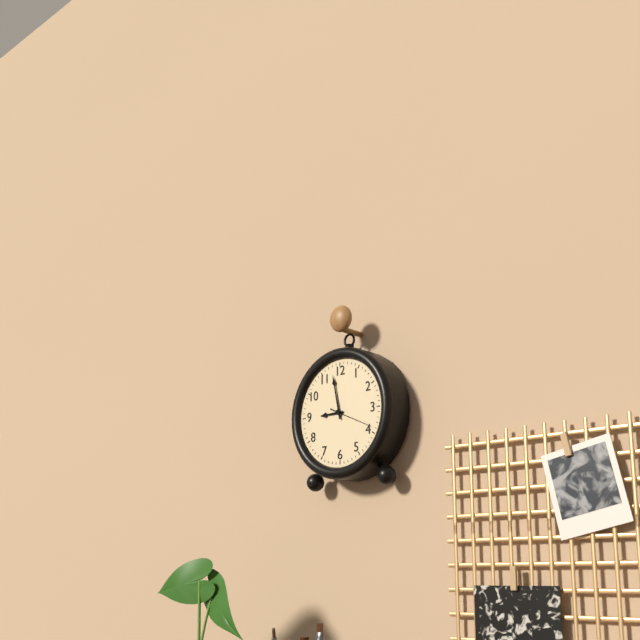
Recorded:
8.58
